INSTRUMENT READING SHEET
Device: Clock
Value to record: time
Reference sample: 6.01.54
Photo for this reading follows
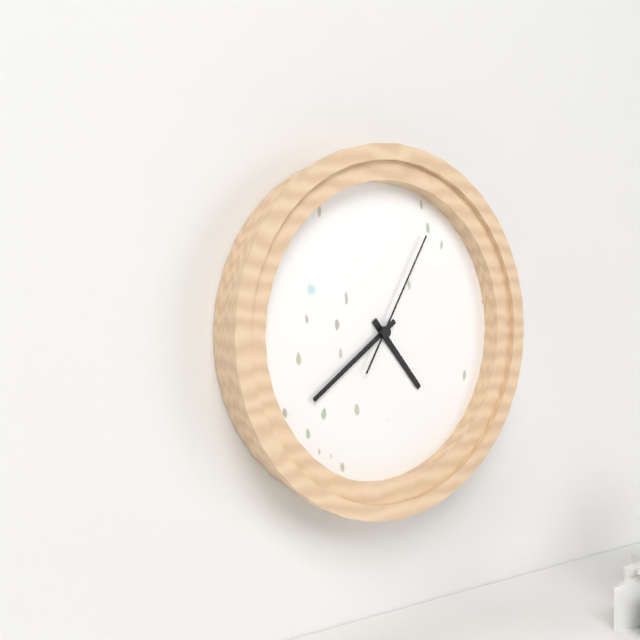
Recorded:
4.39.05
